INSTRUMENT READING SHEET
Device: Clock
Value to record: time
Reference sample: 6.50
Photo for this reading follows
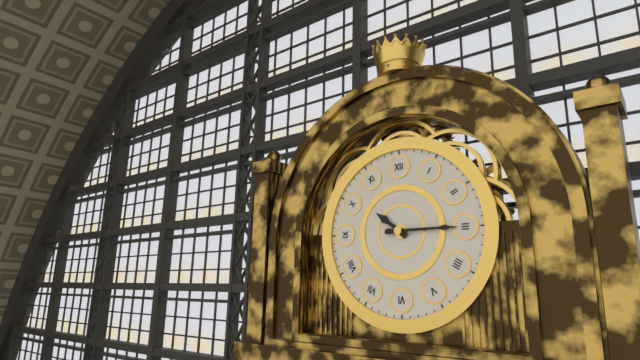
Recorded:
10.15
